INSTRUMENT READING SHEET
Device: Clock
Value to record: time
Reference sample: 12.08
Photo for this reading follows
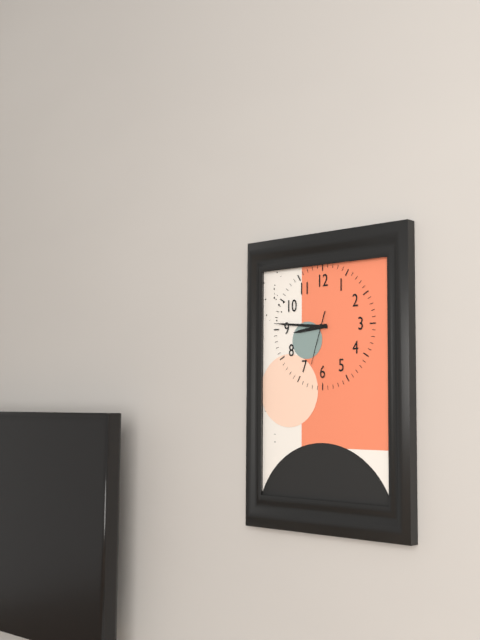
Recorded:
8.46
